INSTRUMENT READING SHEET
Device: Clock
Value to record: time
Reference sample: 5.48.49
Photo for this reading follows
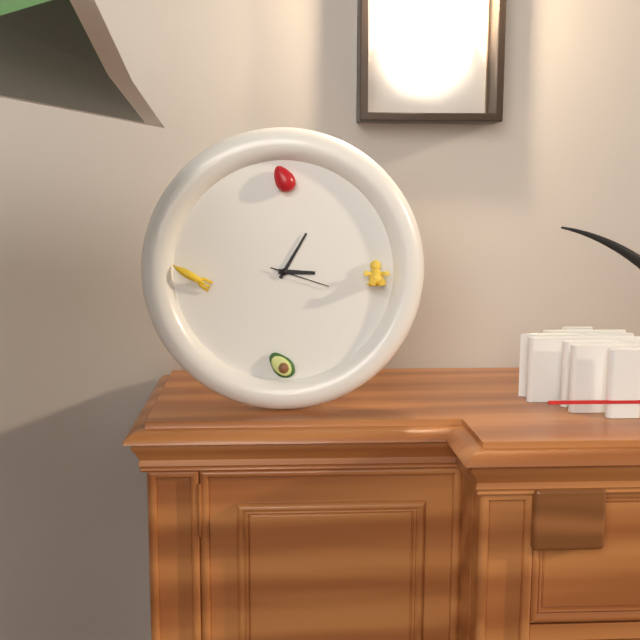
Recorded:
3.05.18
